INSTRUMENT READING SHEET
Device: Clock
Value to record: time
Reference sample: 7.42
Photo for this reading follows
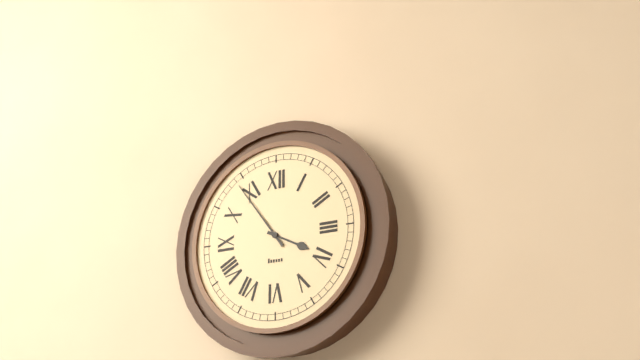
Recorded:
3.54
